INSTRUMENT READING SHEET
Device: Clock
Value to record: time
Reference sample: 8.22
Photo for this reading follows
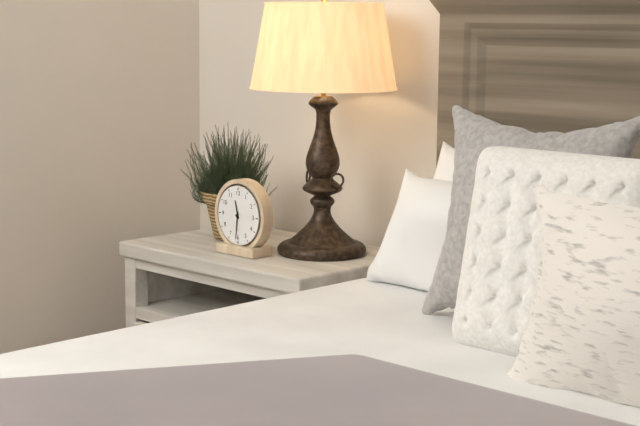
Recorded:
11.31
